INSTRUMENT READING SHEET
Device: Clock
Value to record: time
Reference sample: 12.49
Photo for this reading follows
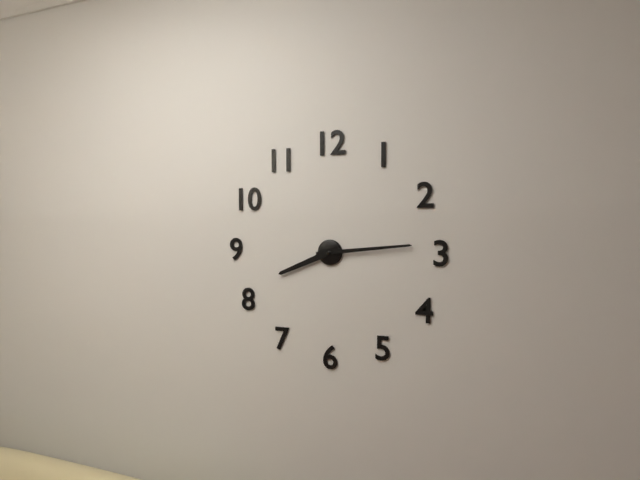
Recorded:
8.14
